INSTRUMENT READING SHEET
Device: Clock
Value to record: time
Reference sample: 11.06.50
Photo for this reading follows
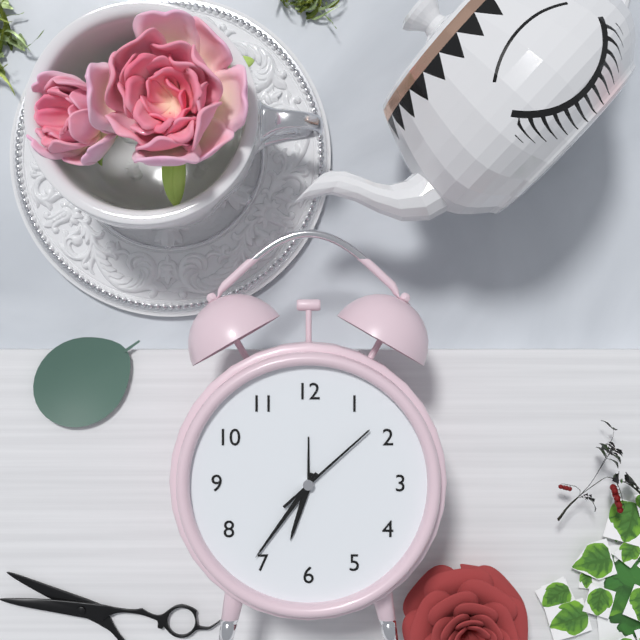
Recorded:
6.36.08
